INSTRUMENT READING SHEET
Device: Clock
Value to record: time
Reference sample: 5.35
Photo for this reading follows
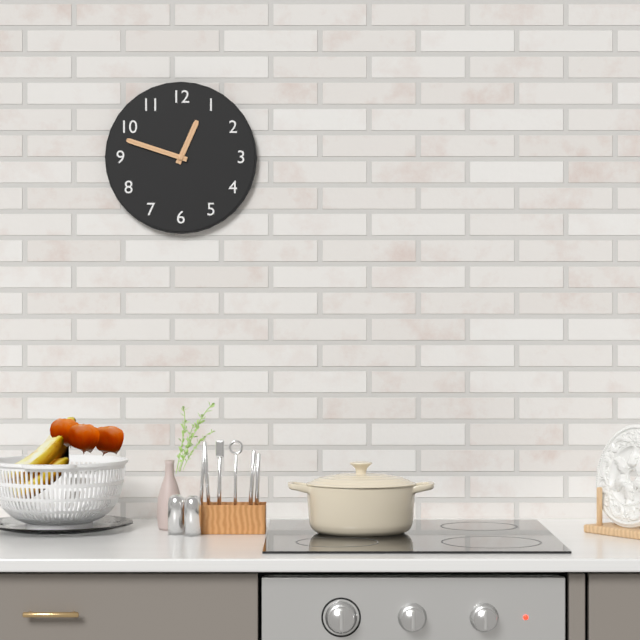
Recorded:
12.48
